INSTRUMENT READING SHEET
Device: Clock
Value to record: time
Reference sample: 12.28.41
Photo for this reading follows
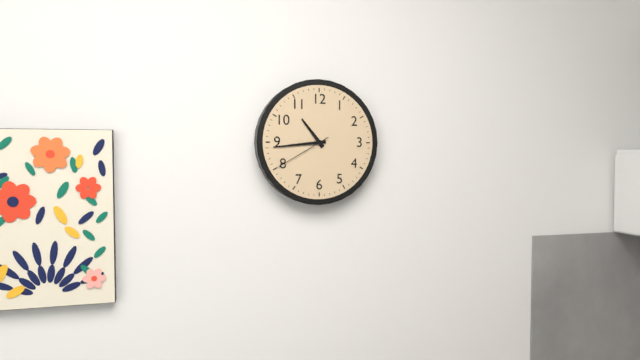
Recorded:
10.44.40
